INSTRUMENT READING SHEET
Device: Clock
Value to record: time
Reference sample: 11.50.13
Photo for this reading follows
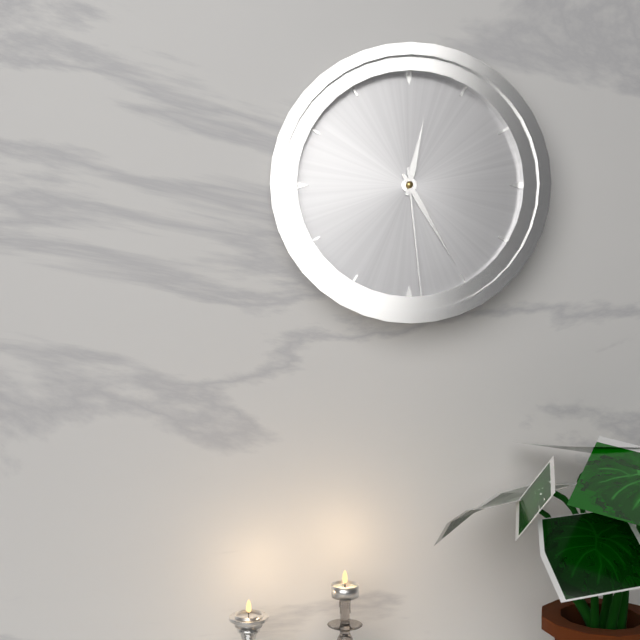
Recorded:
12.25.29
